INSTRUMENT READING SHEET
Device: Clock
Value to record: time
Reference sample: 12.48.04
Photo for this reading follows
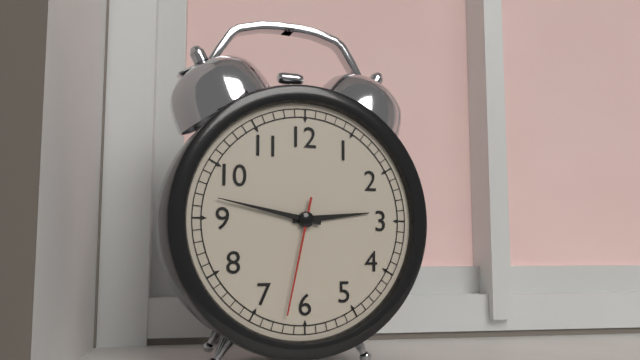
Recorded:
2.47.32
